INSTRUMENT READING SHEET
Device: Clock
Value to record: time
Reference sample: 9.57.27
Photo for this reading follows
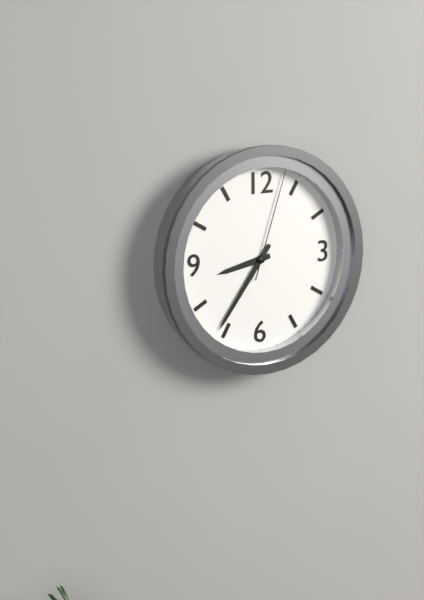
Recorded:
8.36.03
